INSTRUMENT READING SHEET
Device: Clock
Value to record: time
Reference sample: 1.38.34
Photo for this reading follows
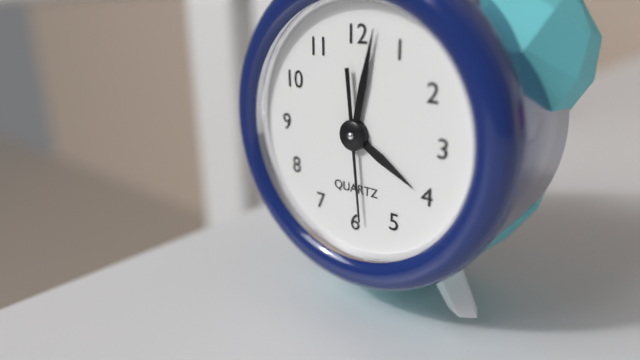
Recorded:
4.02.29
